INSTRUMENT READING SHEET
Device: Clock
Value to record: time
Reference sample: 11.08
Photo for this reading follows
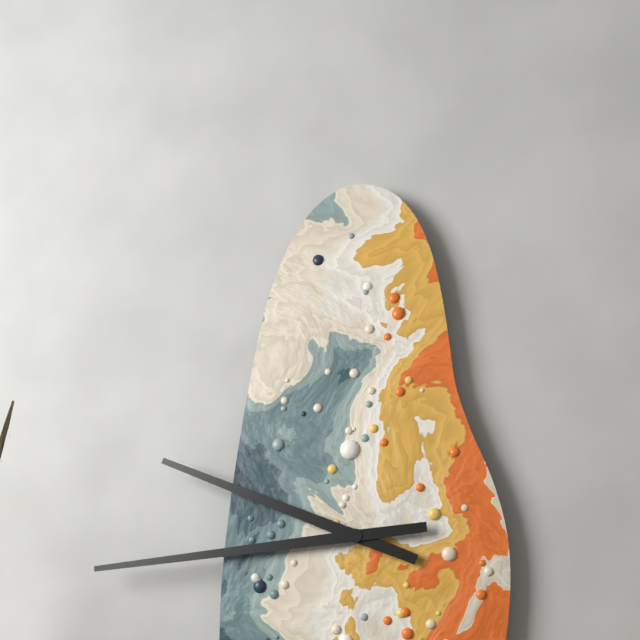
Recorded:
9.44
